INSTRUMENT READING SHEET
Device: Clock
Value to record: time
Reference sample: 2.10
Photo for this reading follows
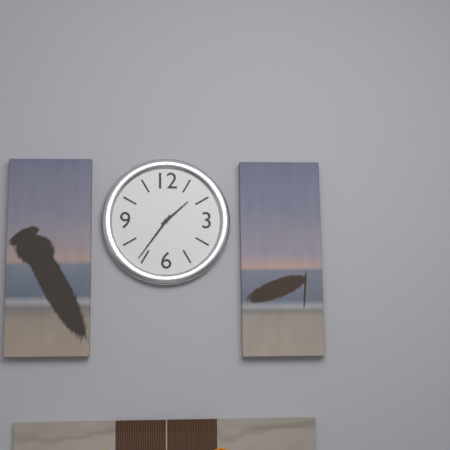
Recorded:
1.36
